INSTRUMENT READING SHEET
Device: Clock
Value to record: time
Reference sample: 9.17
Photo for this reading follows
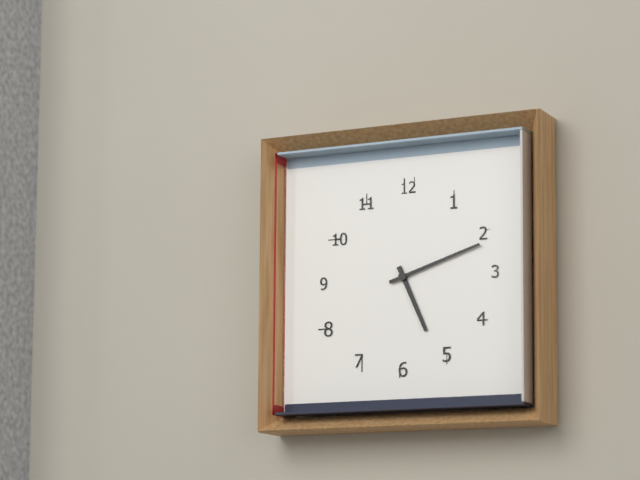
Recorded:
5.12
